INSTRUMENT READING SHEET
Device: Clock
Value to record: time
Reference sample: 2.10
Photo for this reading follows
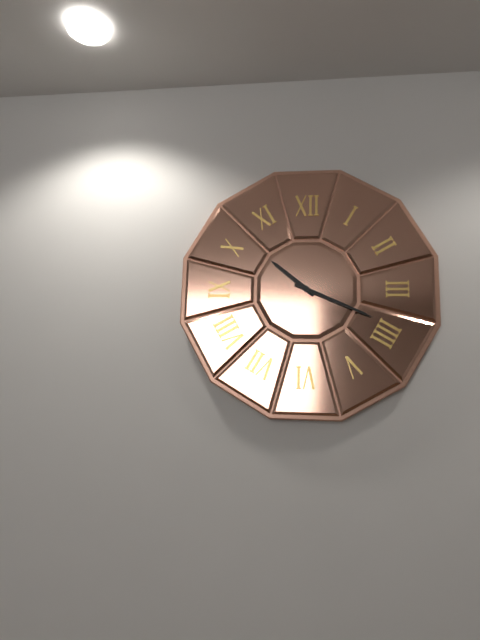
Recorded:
10.19
